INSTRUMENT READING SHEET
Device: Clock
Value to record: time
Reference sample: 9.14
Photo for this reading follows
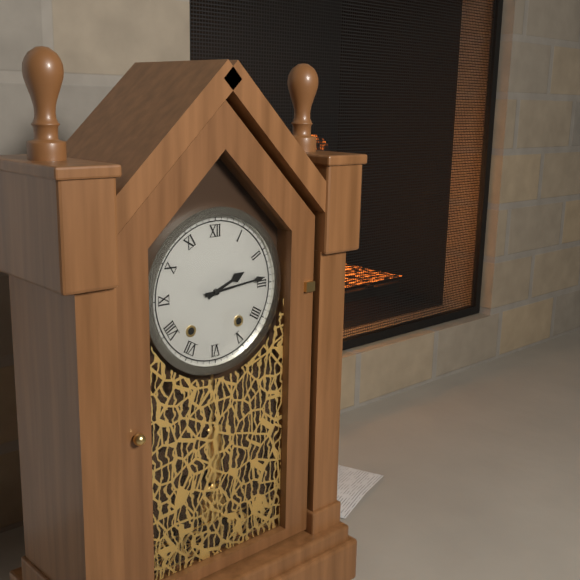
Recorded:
2.14
